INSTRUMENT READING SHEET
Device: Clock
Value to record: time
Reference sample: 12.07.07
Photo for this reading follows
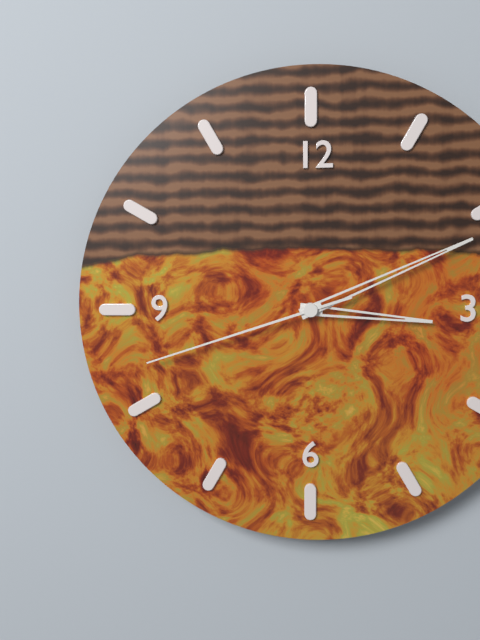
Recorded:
3.11.42
